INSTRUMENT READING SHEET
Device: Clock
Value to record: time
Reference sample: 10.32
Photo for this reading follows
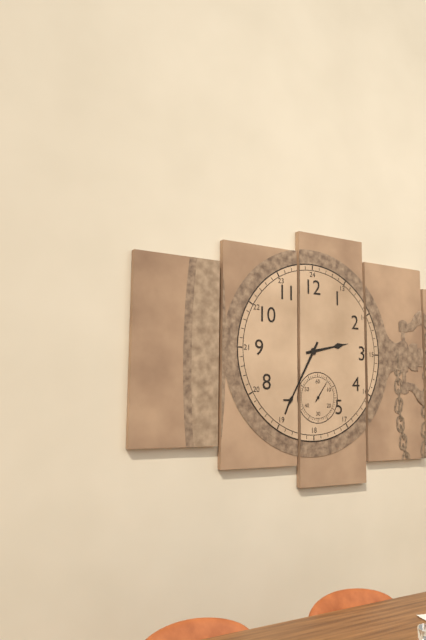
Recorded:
2.35
